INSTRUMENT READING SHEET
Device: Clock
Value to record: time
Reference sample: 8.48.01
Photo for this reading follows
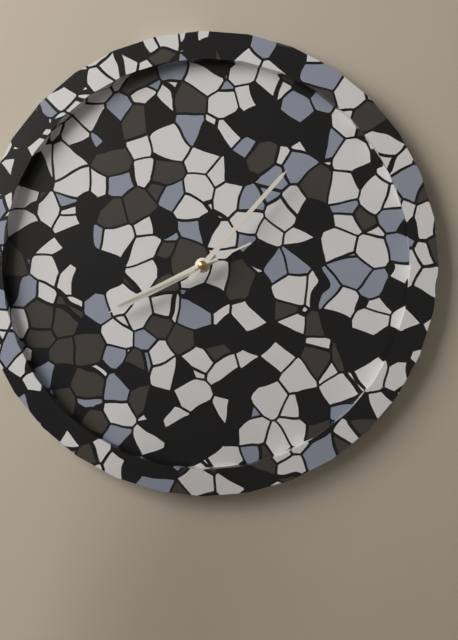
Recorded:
8.07.41
